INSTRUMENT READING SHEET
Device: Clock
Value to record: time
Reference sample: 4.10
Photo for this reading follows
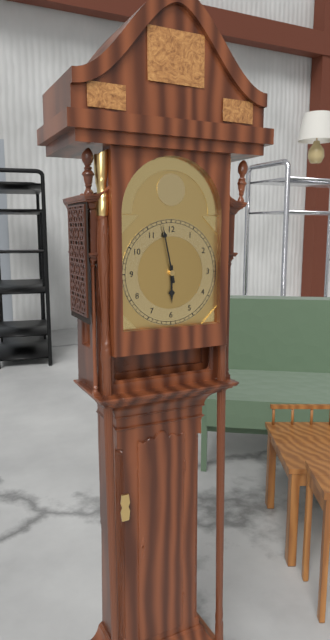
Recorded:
5.58
